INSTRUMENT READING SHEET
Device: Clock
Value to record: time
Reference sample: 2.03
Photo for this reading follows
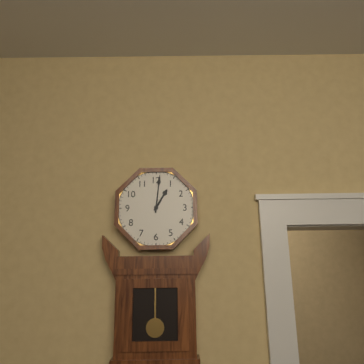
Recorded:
1.01
